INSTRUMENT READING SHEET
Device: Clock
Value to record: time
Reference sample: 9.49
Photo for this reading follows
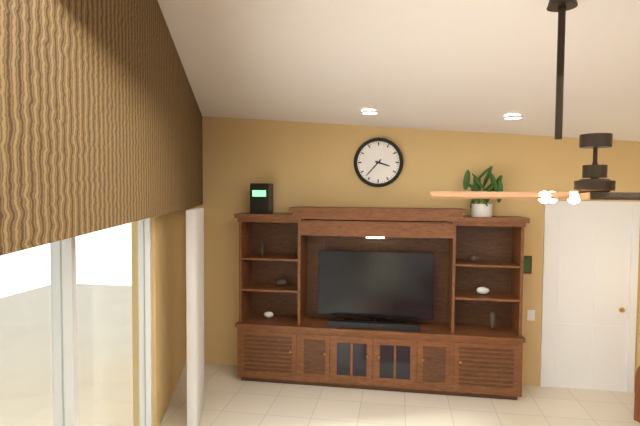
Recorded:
3.37
